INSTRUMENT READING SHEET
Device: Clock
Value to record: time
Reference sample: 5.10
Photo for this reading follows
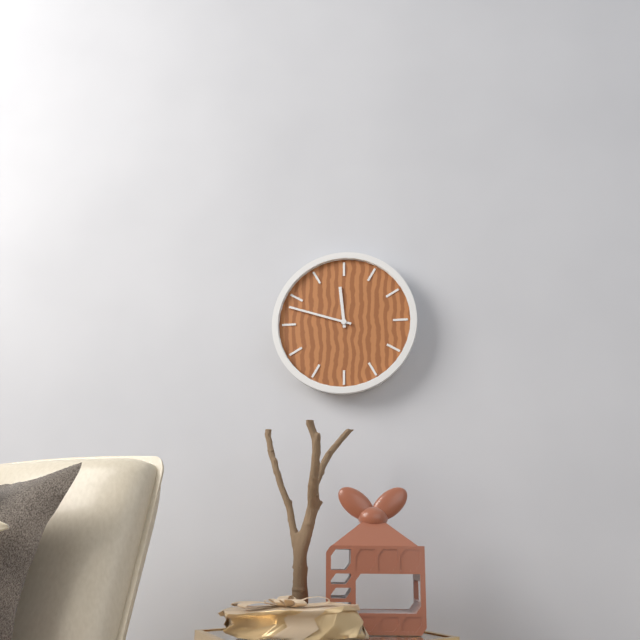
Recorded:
11.48
